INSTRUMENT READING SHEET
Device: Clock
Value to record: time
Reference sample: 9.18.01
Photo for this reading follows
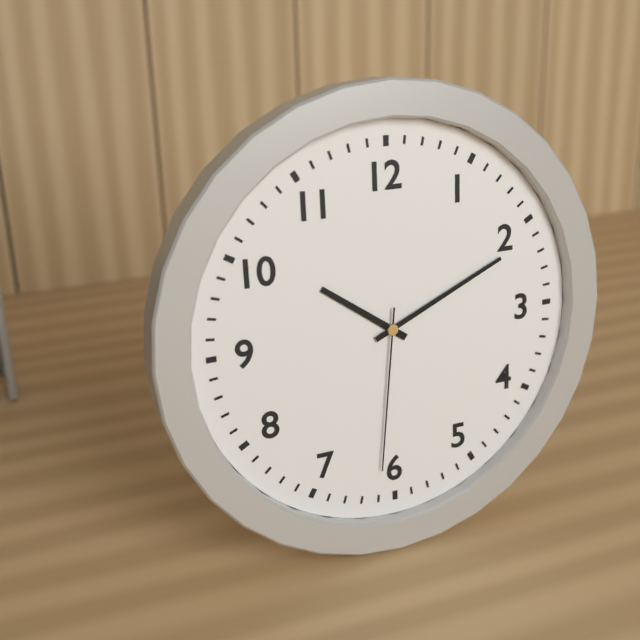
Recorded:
10.11.31
